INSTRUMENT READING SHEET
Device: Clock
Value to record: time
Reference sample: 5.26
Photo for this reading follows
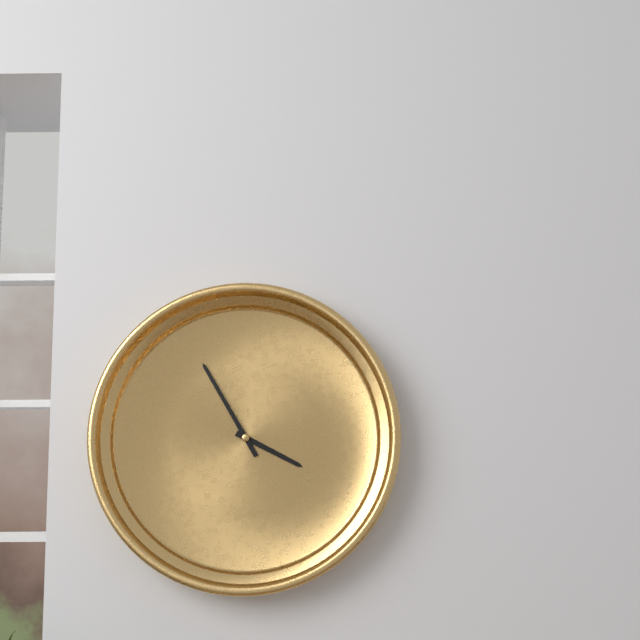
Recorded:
3.55
